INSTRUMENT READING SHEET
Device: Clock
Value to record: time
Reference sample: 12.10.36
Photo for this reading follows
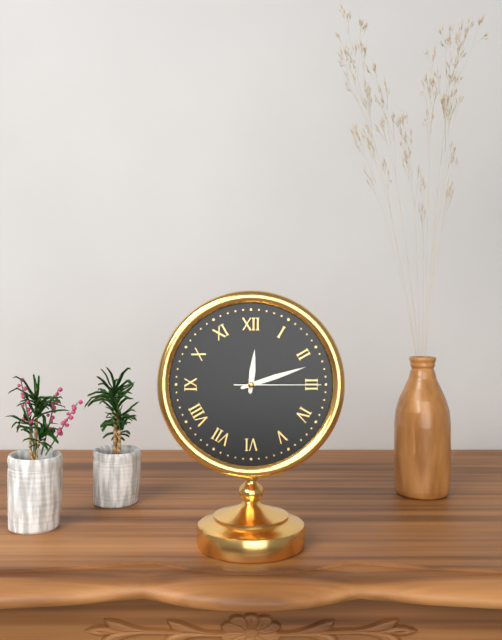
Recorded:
12.12.15
